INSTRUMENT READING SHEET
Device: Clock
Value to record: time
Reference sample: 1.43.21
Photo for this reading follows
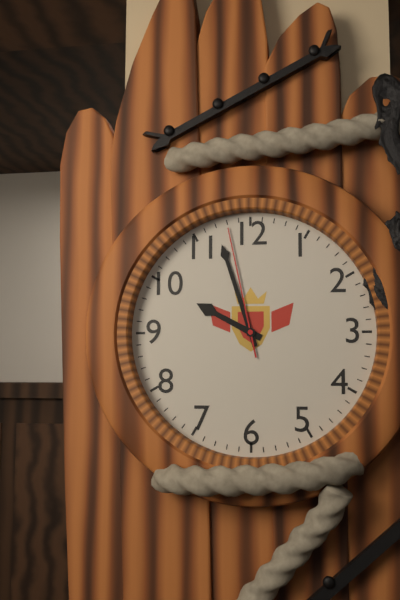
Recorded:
9.57.58
